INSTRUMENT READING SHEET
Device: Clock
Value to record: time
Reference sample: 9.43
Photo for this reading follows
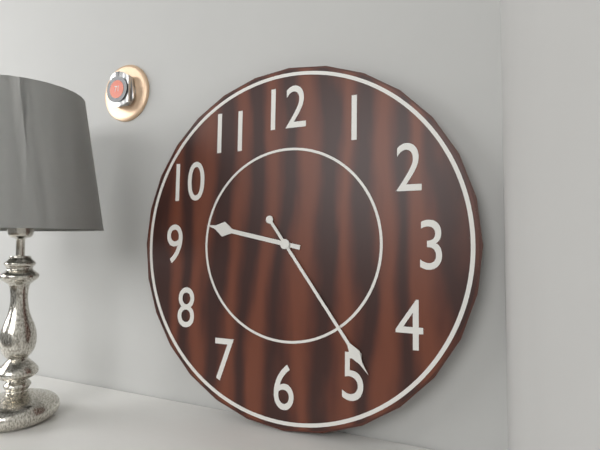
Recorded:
9.24
